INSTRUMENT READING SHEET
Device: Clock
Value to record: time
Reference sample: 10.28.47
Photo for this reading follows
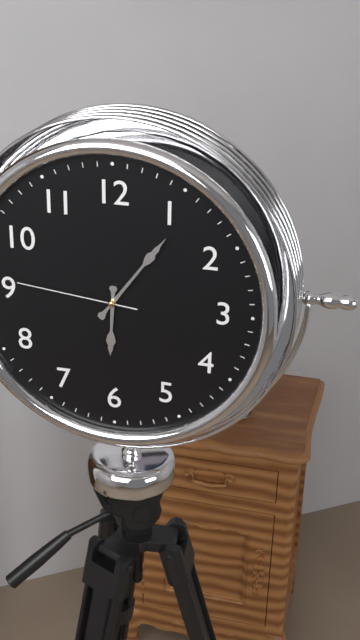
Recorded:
6.06.46
